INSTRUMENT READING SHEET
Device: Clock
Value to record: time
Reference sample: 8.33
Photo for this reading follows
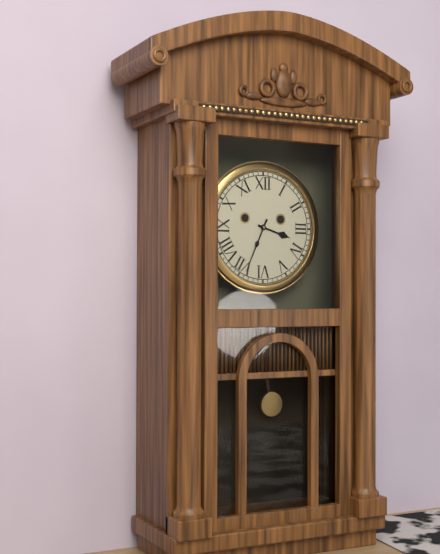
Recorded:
3.34
